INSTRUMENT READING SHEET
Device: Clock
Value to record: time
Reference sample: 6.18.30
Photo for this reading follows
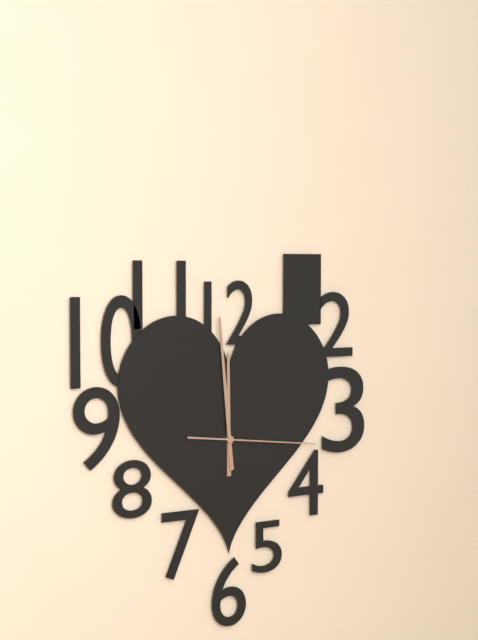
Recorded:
11.59.16
